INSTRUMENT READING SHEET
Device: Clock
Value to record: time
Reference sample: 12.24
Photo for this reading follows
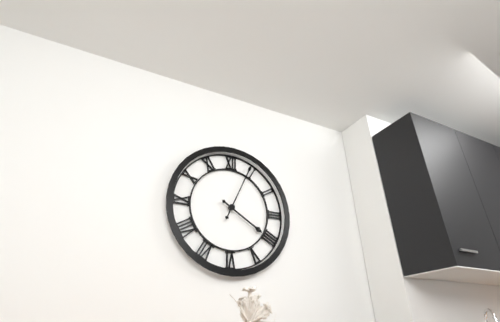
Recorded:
4.04
